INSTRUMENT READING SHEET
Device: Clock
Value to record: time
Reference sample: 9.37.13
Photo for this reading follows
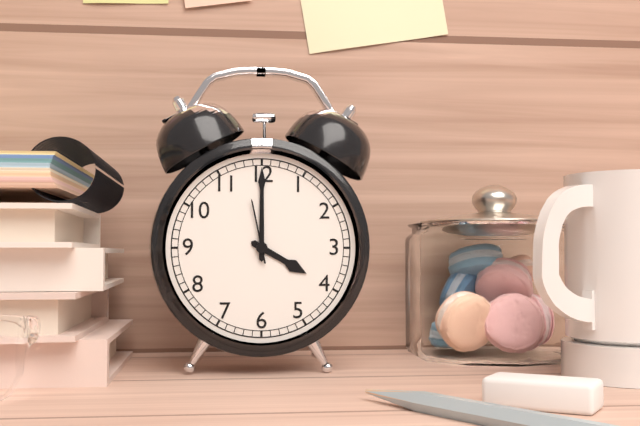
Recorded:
4.00.58
